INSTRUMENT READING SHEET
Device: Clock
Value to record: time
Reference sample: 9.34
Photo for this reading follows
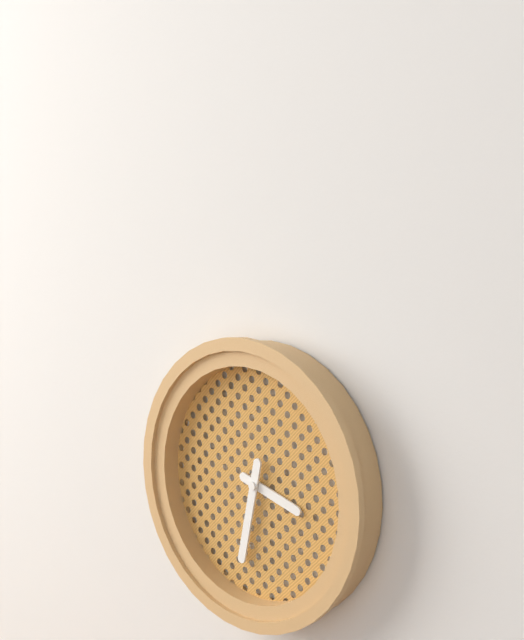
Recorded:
3.32
